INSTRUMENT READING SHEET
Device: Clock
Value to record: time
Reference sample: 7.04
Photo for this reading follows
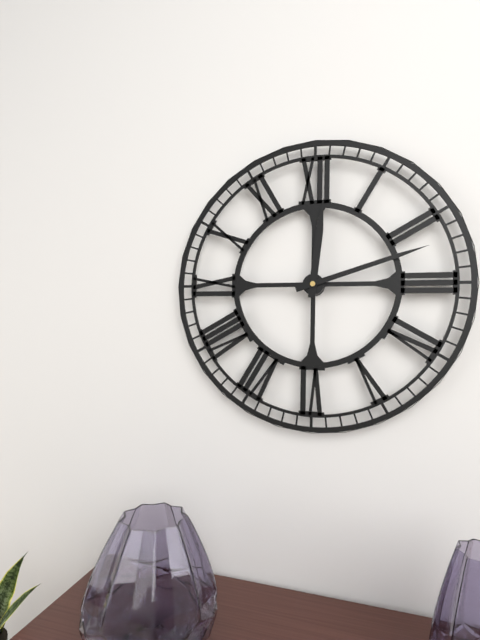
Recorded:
12.12
